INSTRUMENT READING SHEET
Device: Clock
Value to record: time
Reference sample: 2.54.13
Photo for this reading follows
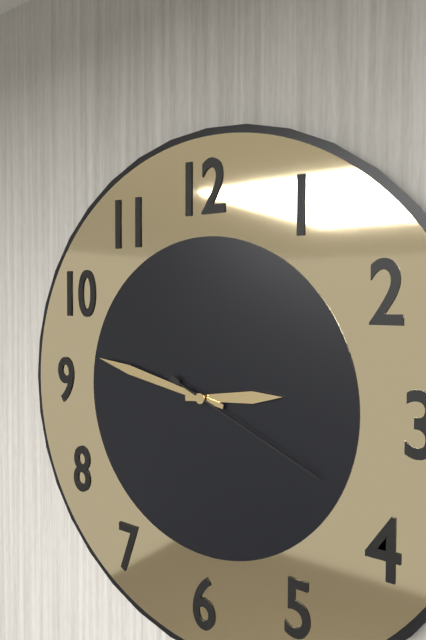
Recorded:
2.47.19
